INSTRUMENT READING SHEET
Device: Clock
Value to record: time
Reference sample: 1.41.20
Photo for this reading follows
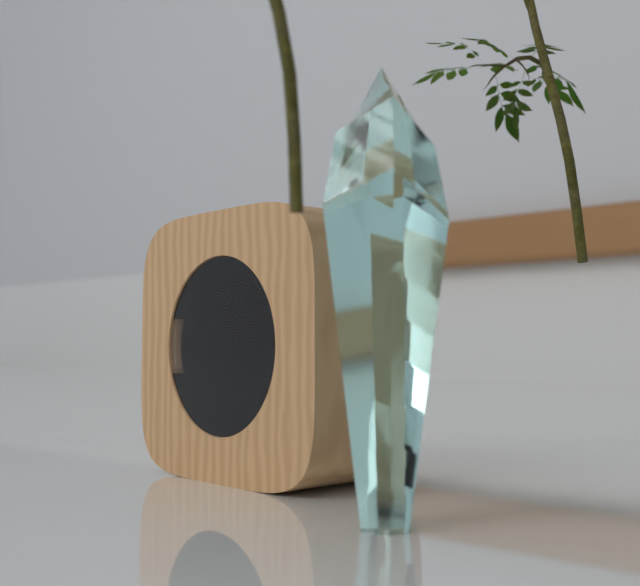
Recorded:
8.42.15
